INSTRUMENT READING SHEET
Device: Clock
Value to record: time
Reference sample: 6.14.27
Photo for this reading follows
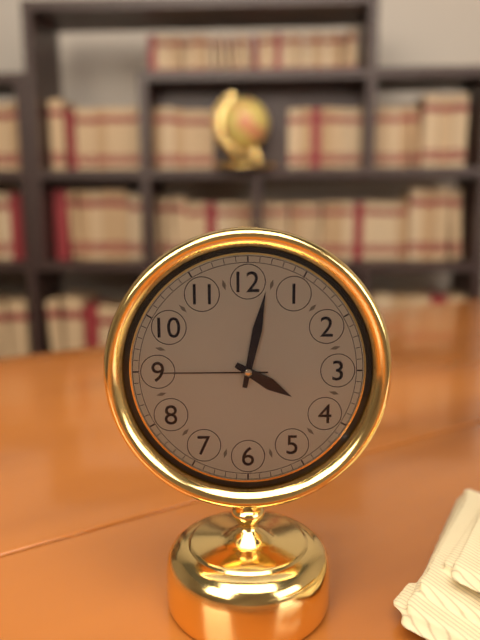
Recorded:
4.02.45
